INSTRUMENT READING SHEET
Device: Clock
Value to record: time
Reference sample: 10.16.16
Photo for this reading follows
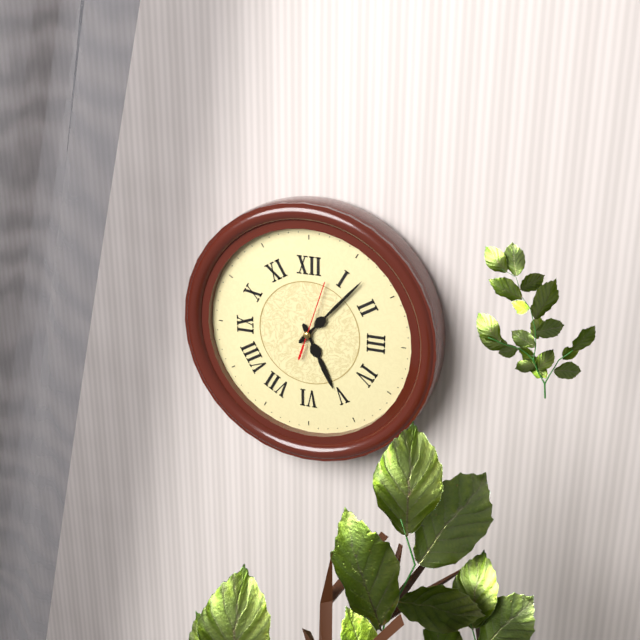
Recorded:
5.07.03
